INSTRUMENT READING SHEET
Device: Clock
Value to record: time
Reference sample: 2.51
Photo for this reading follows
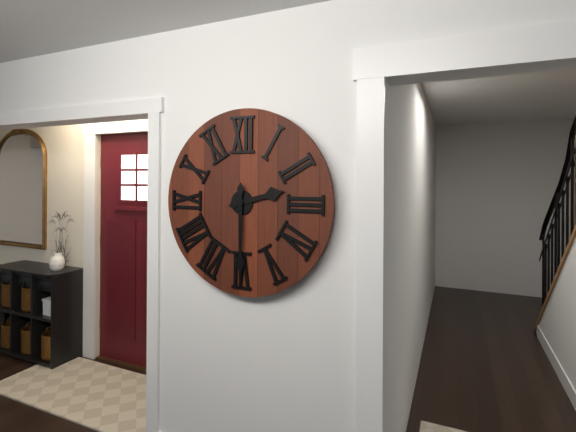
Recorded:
2.30
